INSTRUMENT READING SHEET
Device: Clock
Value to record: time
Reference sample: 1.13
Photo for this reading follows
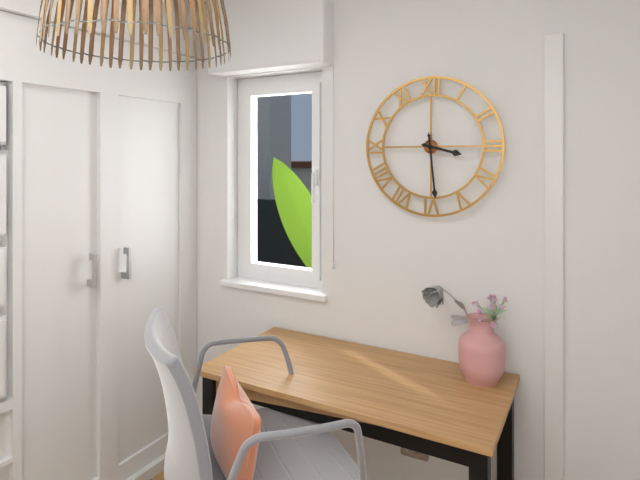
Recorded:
3.29
